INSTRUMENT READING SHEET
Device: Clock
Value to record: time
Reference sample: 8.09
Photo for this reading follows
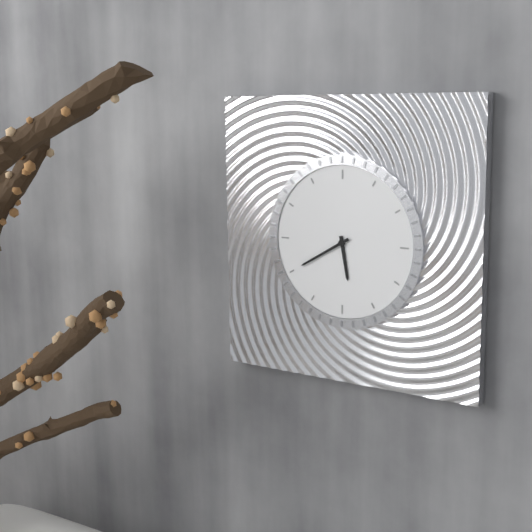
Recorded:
5.40
